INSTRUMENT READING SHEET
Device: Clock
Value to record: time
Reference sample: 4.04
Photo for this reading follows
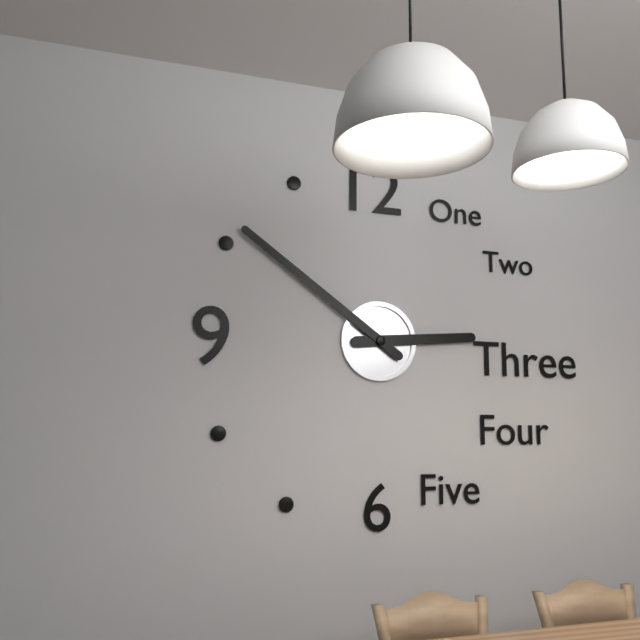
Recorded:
2.51
